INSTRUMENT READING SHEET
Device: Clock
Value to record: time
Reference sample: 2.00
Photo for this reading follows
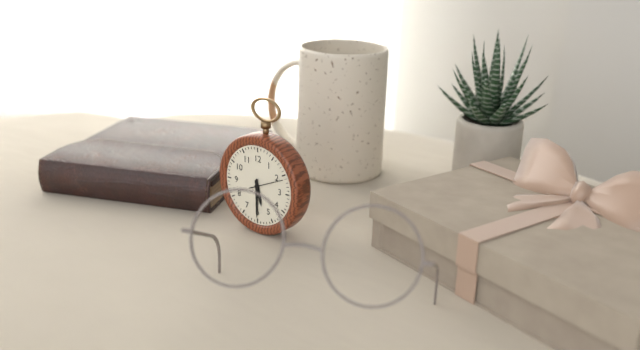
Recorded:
5.30
